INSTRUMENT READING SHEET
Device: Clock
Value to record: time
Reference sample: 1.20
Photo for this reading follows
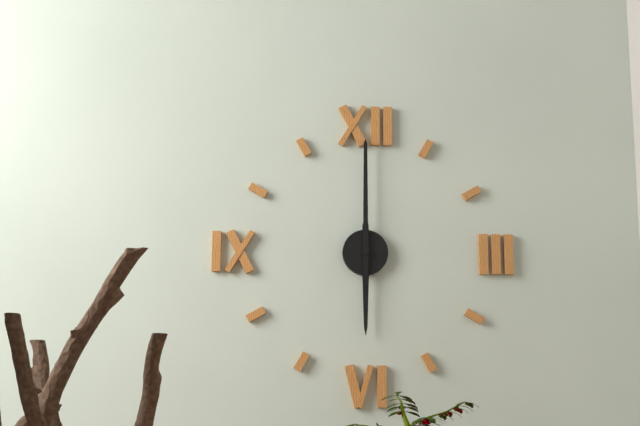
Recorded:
6.00
